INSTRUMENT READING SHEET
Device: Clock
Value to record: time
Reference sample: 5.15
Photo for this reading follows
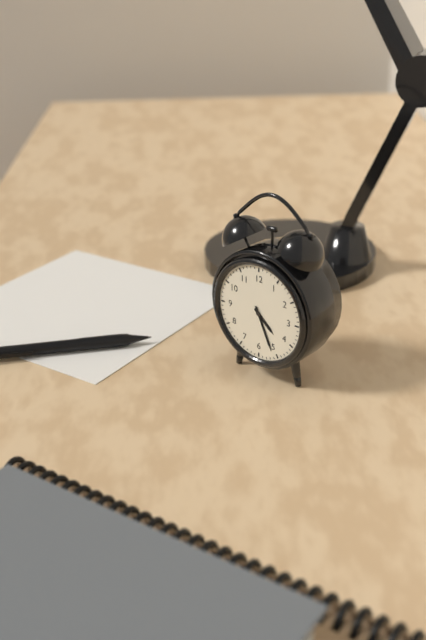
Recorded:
4.26
